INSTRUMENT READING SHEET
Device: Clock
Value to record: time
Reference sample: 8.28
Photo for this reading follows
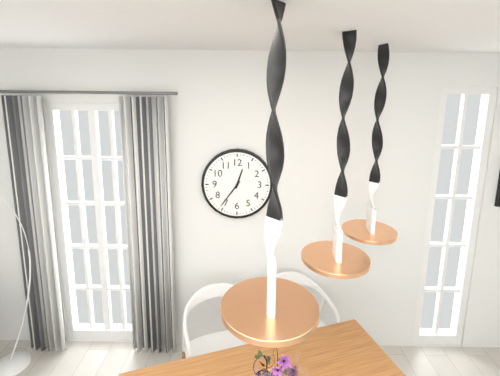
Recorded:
12.36
